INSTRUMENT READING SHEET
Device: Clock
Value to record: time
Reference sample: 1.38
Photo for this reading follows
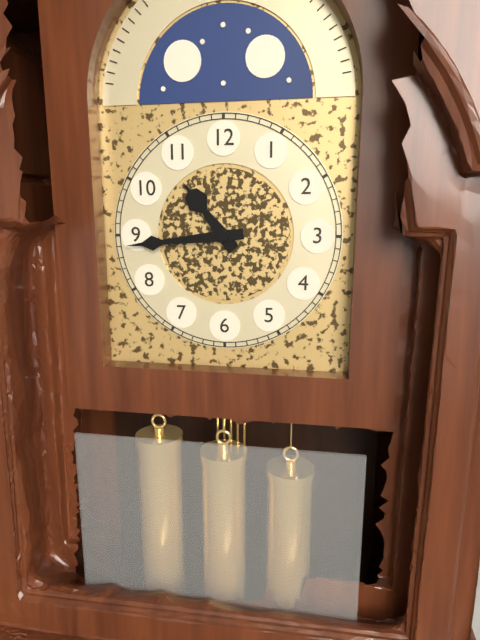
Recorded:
10.44
